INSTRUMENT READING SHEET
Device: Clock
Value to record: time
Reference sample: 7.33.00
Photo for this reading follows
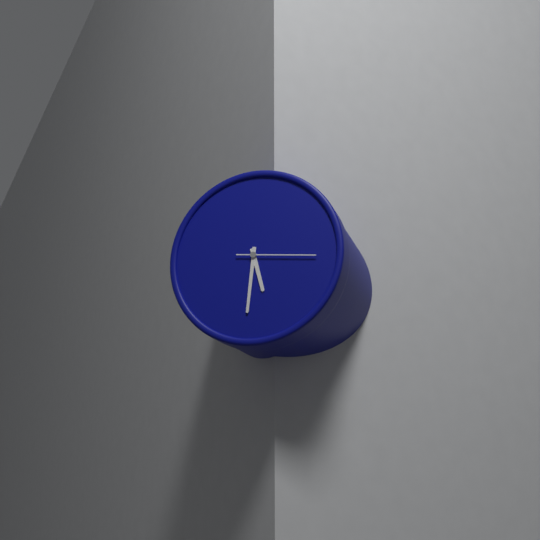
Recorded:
5.31.16
